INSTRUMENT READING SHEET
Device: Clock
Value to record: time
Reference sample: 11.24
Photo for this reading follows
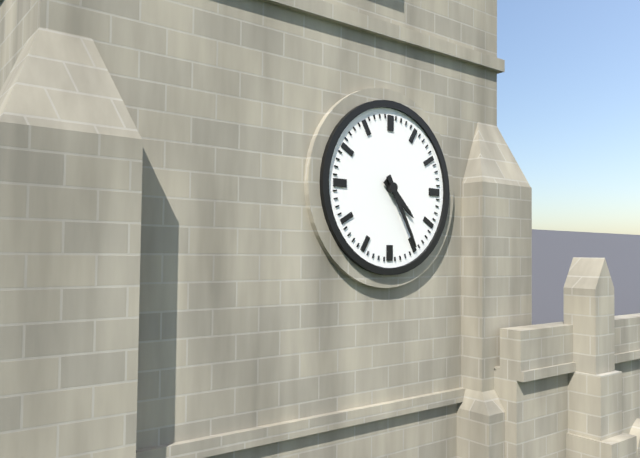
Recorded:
4.25
